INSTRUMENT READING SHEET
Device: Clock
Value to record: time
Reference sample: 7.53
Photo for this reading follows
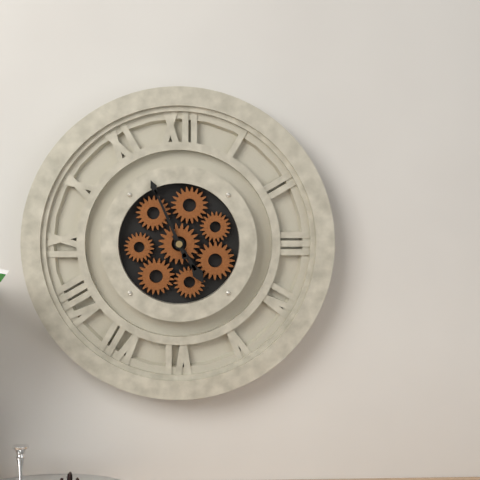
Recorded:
4.56
